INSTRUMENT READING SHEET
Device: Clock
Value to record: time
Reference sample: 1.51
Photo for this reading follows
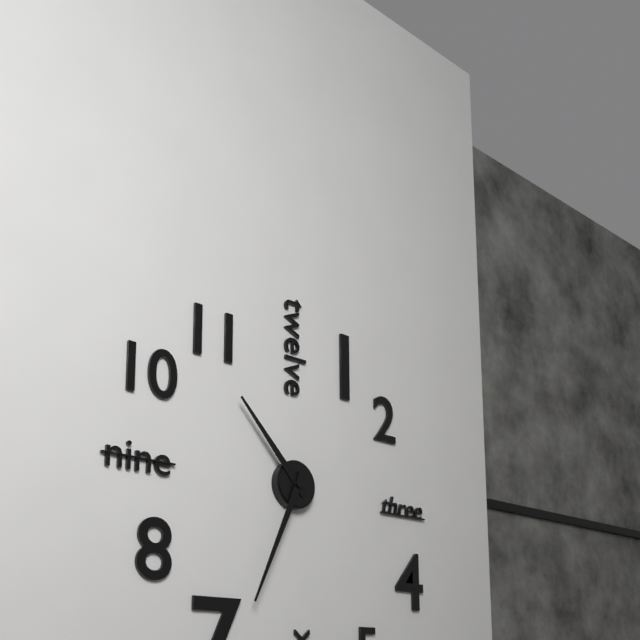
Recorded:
10.34
